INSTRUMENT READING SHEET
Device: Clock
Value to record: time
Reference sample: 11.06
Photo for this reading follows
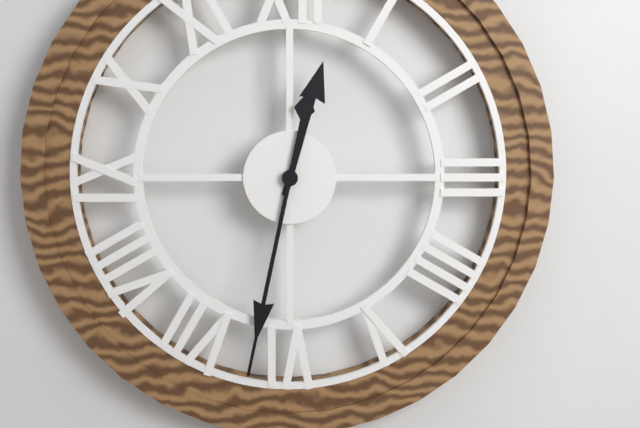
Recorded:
12.32
